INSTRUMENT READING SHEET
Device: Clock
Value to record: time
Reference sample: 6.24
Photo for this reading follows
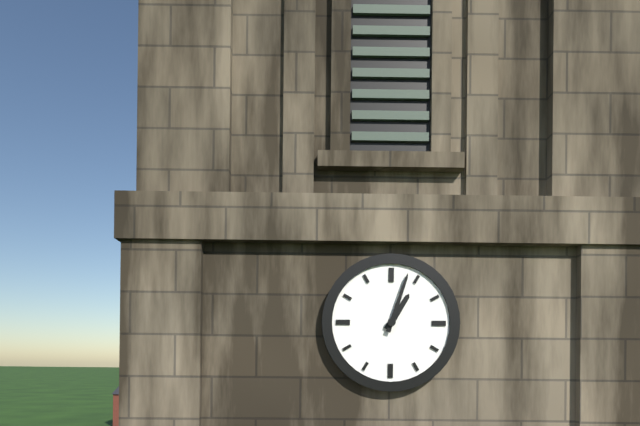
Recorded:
1.03
